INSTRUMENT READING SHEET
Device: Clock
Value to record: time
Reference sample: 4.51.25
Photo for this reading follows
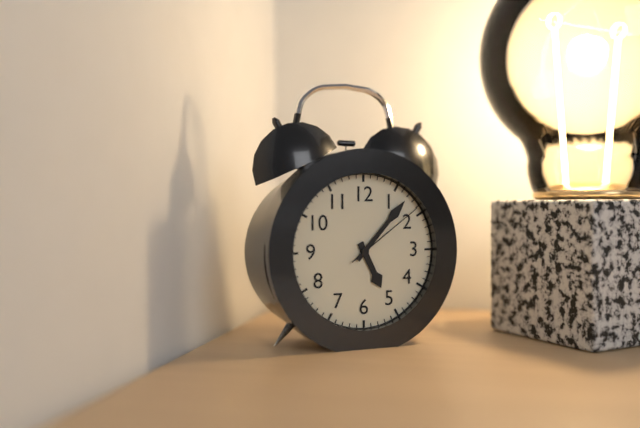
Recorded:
5.07.09
